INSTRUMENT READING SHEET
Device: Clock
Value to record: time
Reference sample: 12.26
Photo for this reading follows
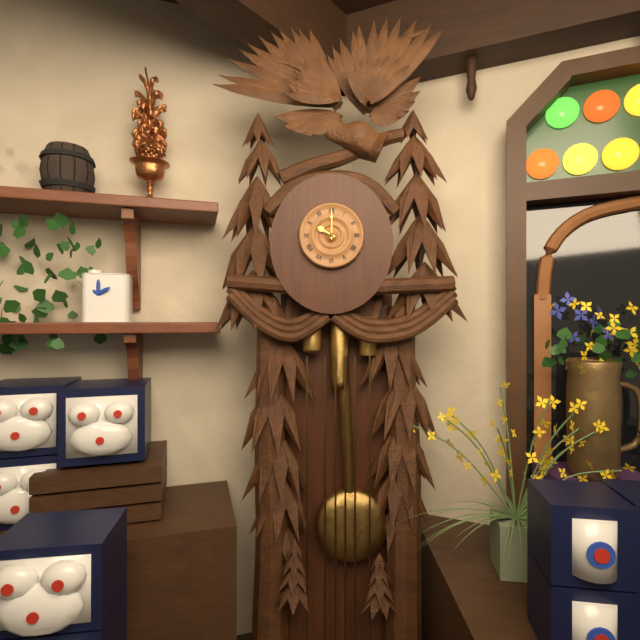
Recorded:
10.00
